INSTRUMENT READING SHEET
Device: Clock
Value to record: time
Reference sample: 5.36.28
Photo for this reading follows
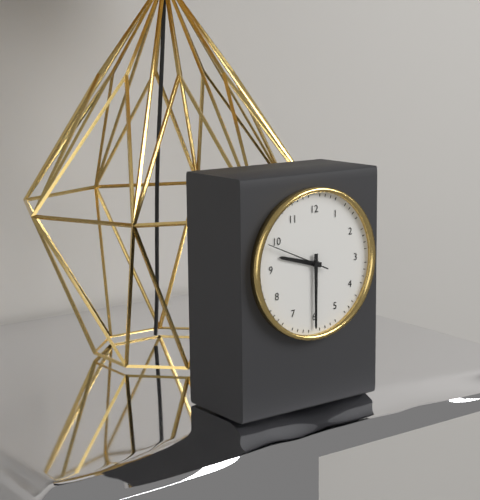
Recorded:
9.30.49
